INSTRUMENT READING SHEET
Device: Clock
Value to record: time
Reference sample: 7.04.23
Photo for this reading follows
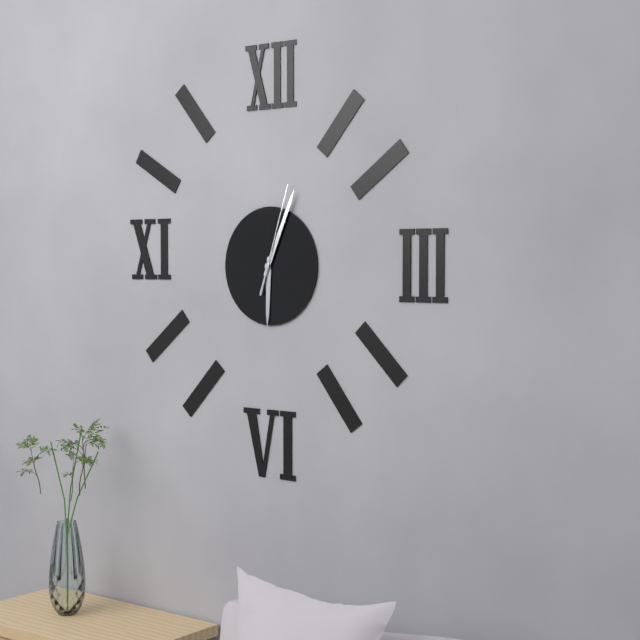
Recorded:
6.04.03
